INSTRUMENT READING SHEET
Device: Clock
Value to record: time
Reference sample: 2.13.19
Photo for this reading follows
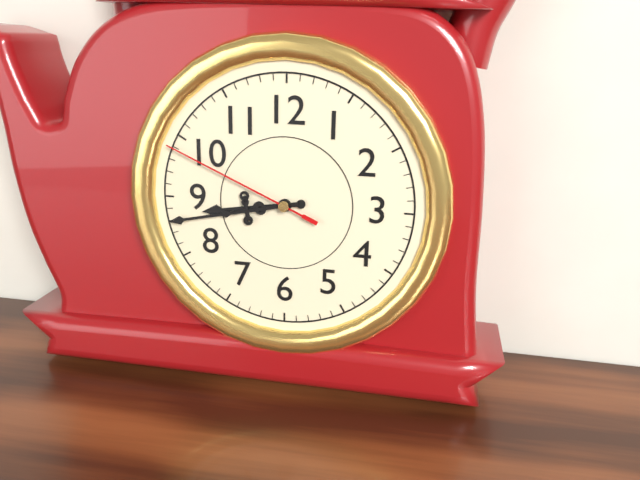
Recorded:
8.43.49
